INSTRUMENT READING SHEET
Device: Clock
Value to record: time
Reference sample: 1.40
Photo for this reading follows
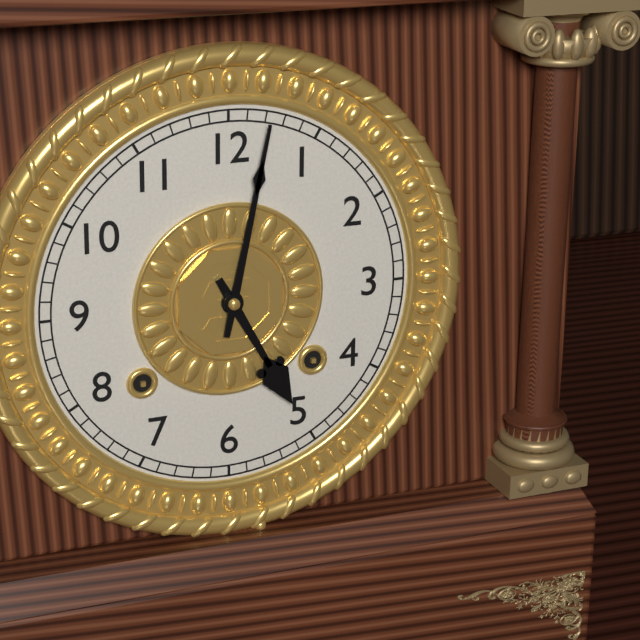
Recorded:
5.02
